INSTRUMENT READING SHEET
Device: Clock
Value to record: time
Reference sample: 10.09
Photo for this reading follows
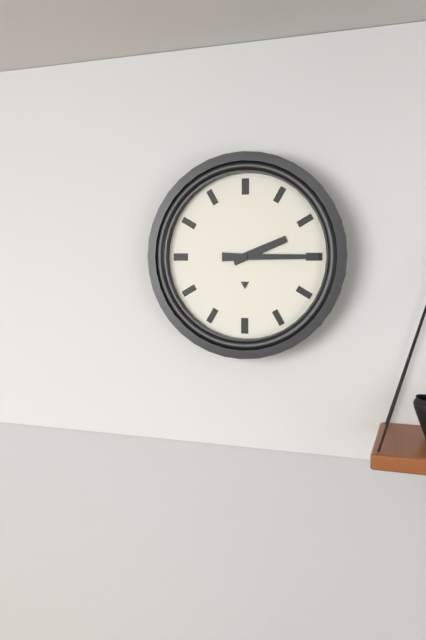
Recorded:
2.15
